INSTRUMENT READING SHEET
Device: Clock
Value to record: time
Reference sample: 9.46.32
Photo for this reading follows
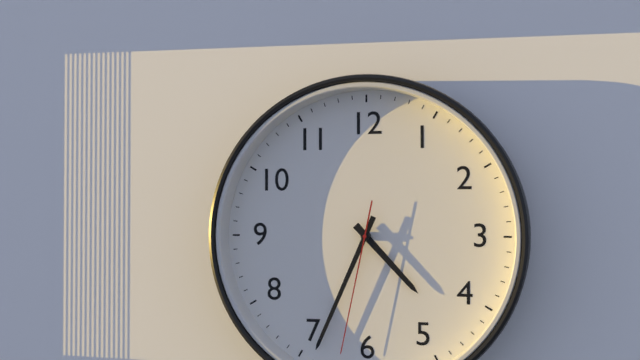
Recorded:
4.34.32
